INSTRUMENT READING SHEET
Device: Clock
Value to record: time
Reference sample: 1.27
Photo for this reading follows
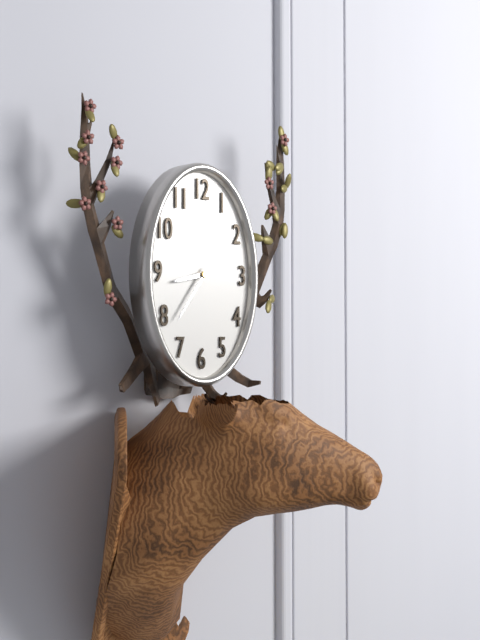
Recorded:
8.36
